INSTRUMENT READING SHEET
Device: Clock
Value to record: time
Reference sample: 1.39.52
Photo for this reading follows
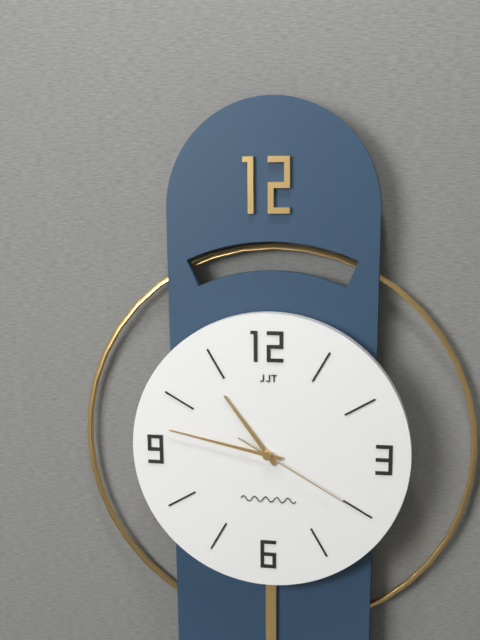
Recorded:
10.47.20
